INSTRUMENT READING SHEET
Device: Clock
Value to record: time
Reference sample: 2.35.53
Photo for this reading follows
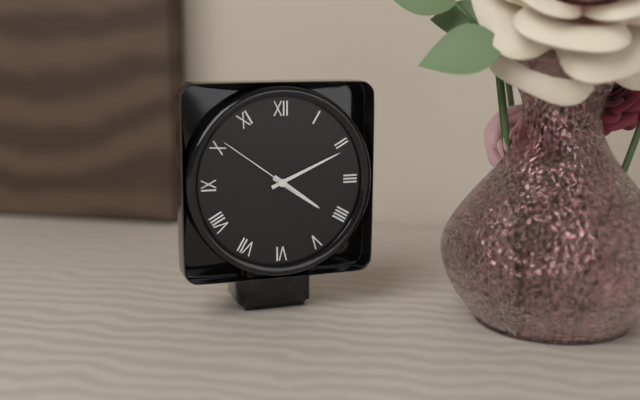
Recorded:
4.11.51
